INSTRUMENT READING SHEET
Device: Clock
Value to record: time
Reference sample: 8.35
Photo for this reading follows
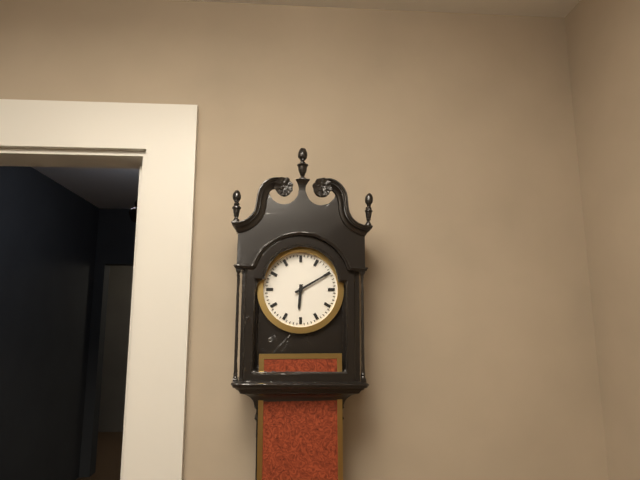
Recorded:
6.10
